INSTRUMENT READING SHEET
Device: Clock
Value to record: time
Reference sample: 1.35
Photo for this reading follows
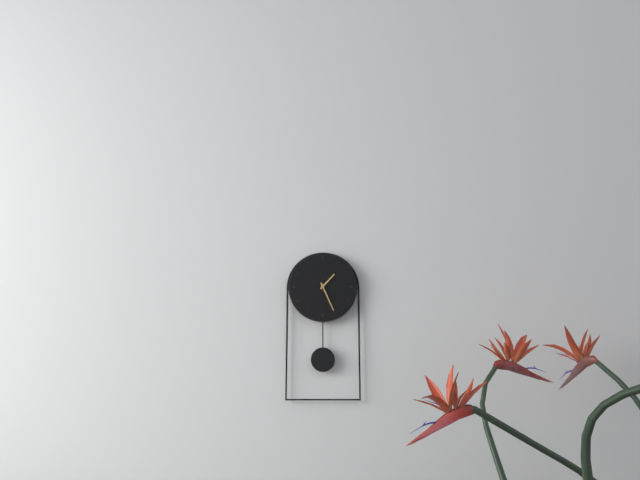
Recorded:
1.26
